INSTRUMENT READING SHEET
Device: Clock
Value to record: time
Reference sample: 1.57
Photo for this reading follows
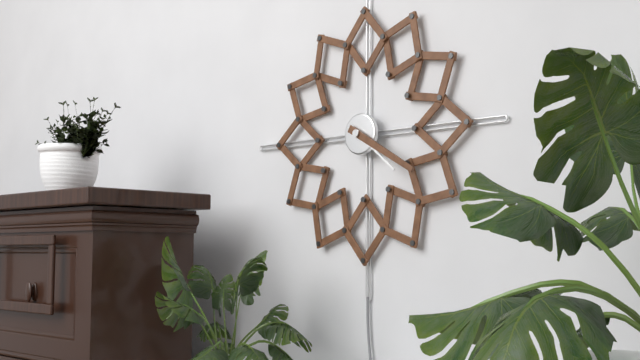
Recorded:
4.20
